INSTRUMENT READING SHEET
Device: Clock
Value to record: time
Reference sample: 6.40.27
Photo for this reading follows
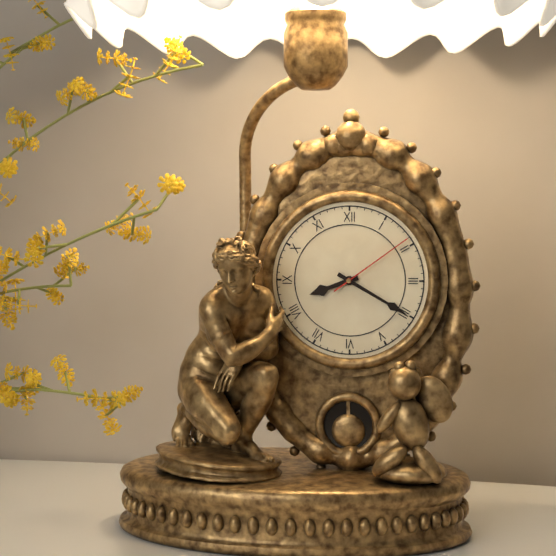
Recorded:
8.20.09
